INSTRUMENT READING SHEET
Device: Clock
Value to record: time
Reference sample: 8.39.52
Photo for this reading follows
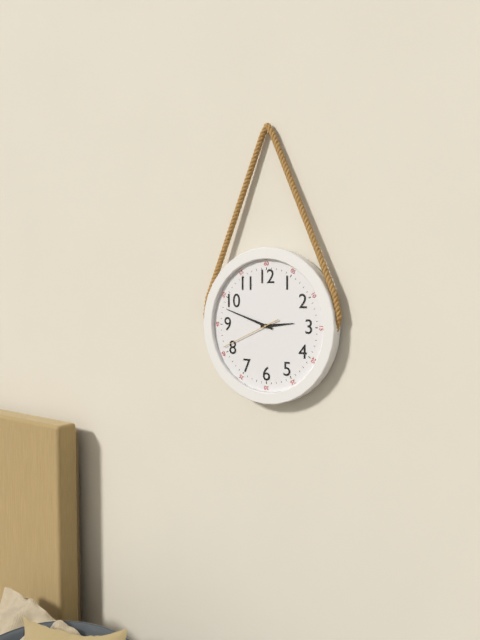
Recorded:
2.48.41
